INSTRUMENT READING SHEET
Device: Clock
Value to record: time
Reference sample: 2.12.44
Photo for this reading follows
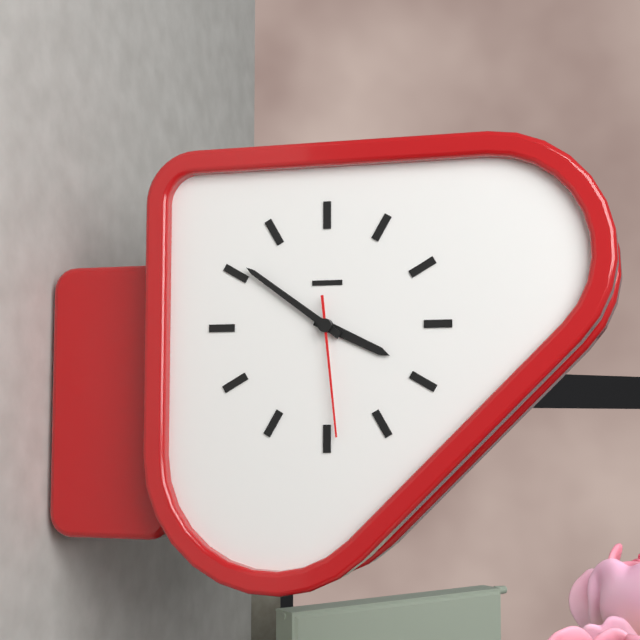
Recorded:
3.51.29
